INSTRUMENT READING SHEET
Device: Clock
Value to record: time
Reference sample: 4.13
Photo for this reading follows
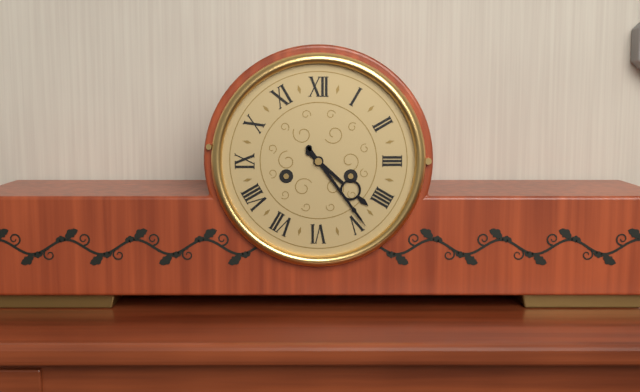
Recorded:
4.24
